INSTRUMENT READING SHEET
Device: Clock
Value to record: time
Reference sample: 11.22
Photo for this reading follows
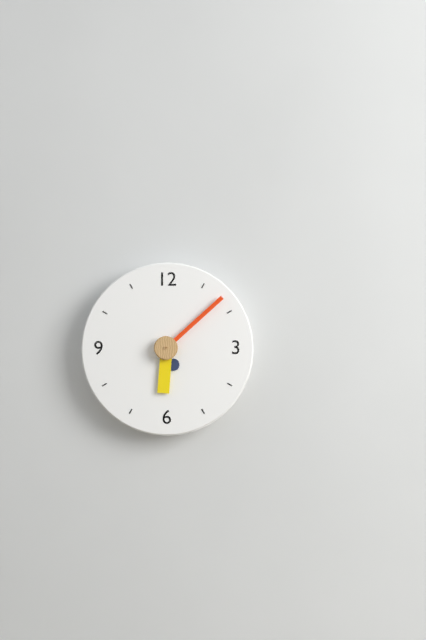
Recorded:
6.08
